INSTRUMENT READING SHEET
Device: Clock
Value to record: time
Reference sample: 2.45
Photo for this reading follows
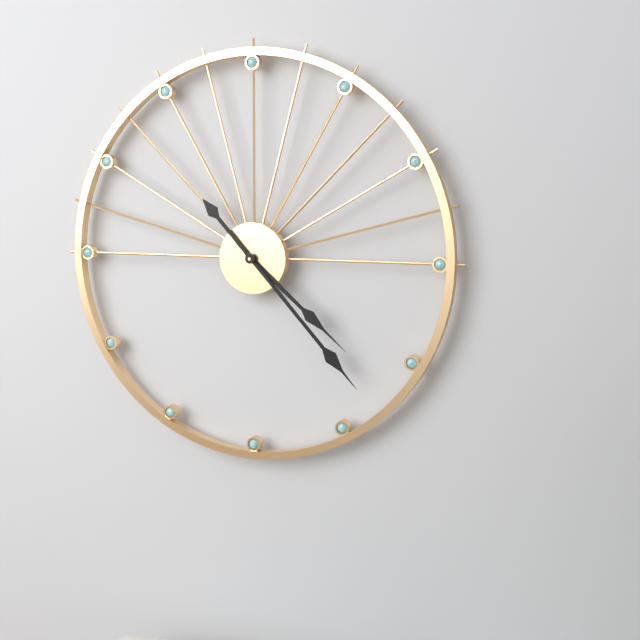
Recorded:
4.23
